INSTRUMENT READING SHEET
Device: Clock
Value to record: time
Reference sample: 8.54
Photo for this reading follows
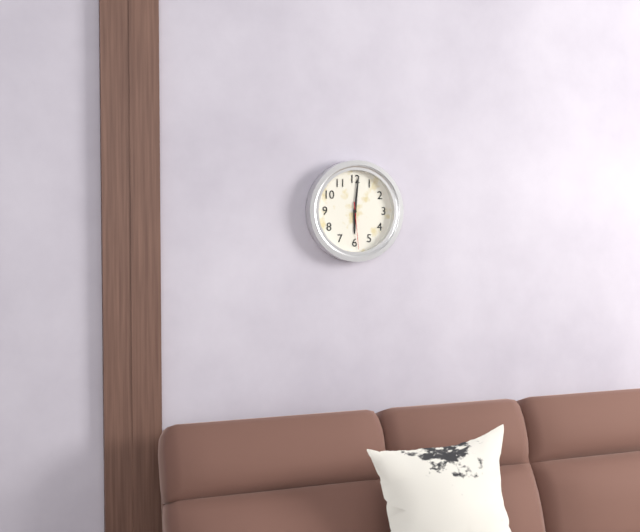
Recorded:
6.01
